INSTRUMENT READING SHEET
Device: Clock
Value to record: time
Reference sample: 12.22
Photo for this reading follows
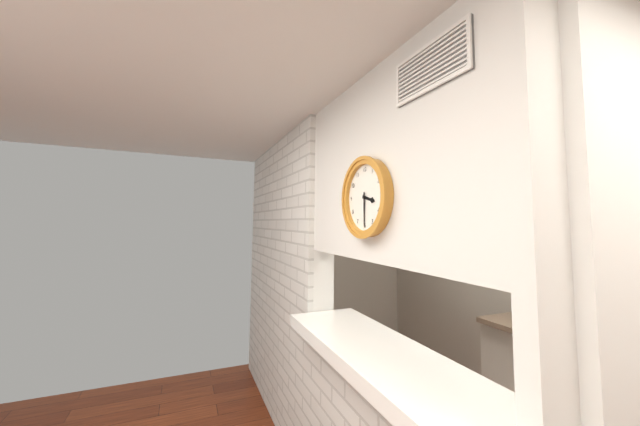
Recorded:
3.30
